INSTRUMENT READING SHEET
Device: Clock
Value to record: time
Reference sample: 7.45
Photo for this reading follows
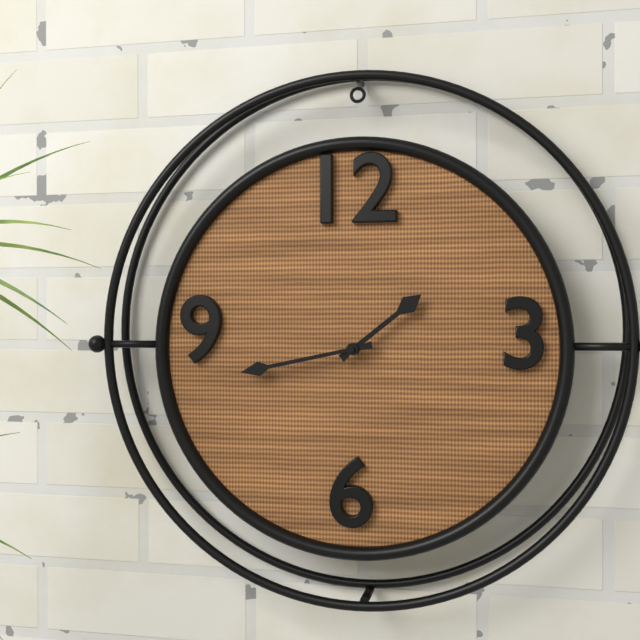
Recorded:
1.43
